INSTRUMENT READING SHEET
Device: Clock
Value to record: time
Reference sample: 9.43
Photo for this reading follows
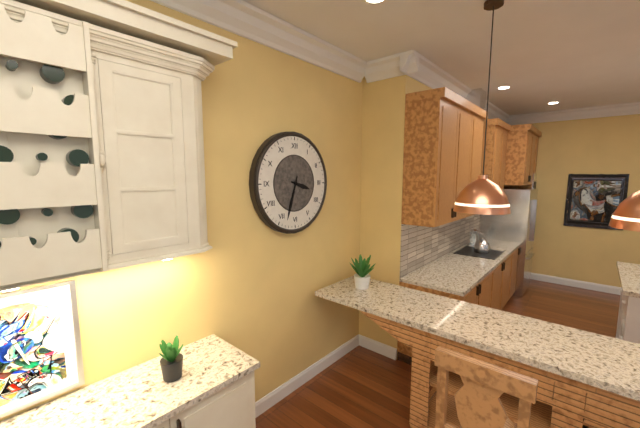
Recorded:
3.33
